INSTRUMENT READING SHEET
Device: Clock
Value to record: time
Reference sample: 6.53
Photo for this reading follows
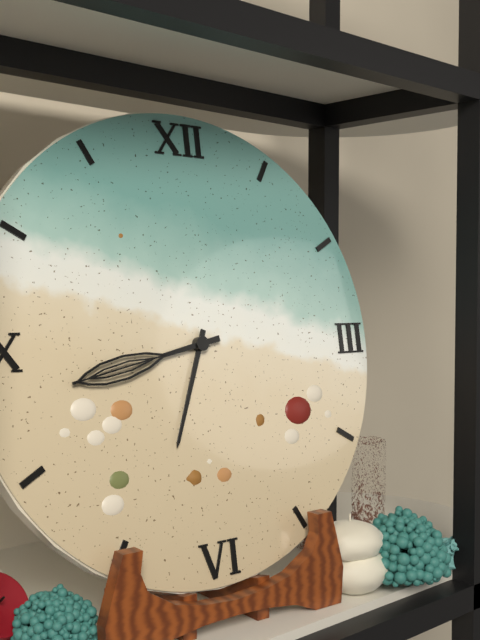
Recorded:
6.43
